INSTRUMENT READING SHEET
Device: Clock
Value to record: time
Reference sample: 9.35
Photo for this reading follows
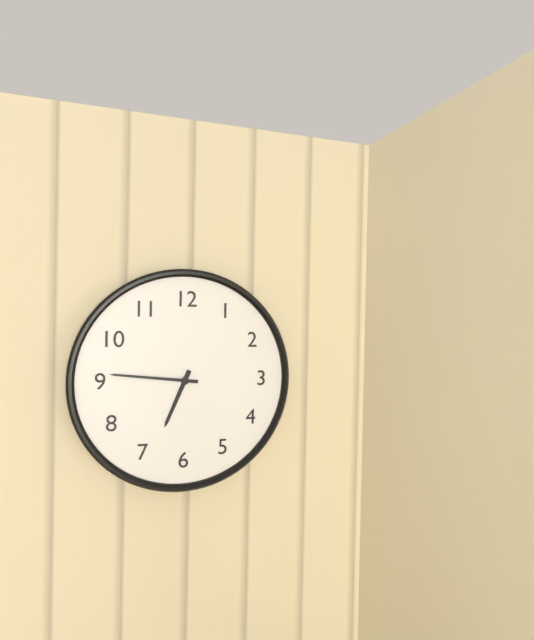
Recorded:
6.46
